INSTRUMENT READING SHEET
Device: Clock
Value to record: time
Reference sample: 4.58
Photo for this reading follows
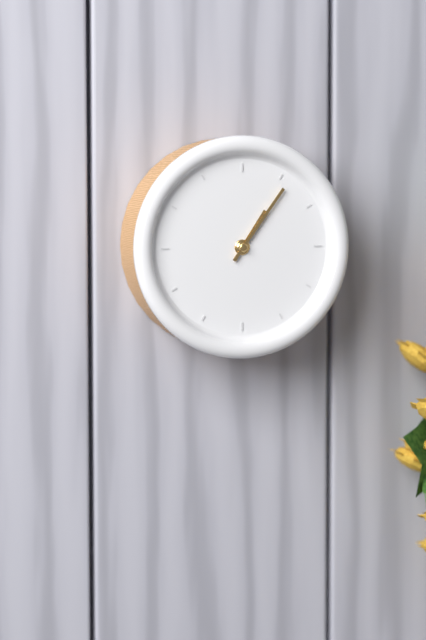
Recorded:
1.06
